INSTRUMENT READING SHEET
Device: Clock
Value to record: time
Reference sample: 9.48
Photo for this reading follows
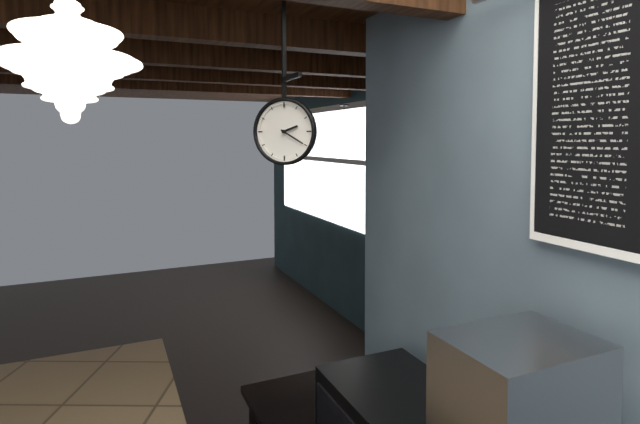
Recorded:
2.20
